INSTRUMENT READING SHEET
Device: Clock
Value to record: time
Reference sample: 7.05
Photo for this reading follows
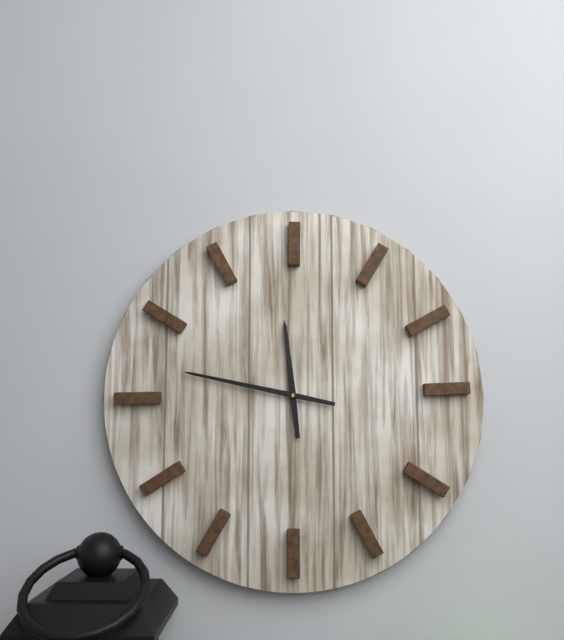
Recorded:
11.47
